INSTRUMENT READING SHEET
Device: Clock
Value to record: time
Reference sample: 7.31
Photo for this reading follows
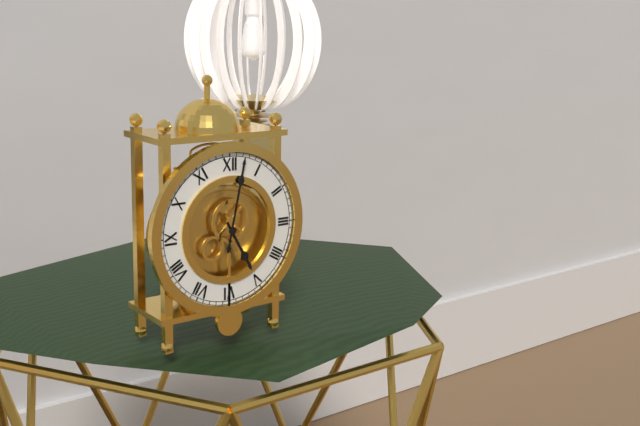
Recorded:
5.02
